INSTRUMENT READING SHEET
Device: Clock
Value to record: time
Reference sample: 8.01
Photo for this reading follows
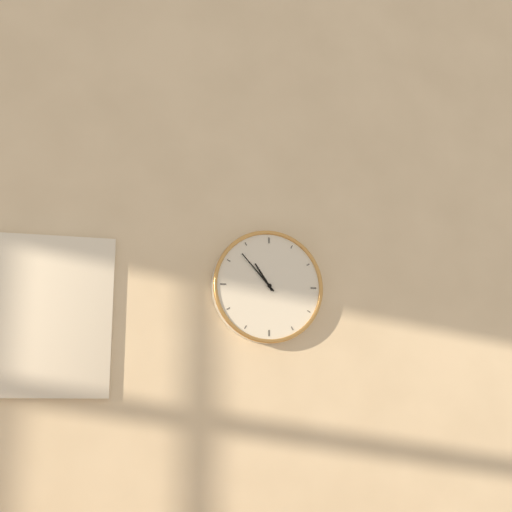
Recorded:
10.53
